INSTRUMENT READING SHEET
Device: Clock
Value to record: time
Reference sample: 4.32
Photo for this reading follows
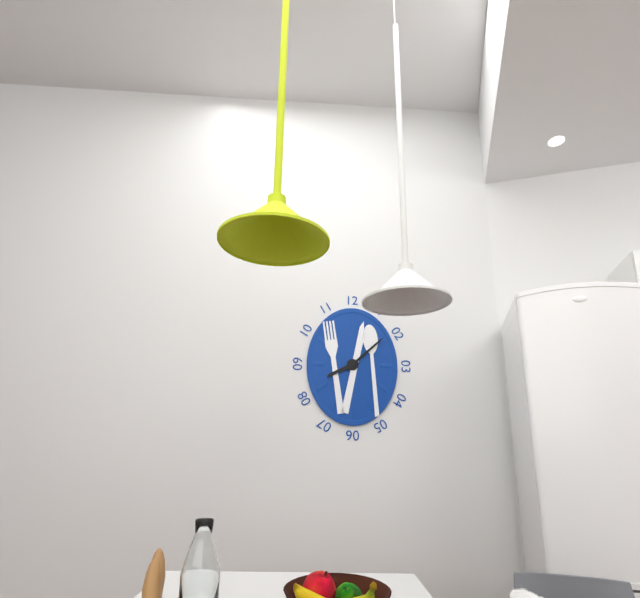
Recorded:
8.08
